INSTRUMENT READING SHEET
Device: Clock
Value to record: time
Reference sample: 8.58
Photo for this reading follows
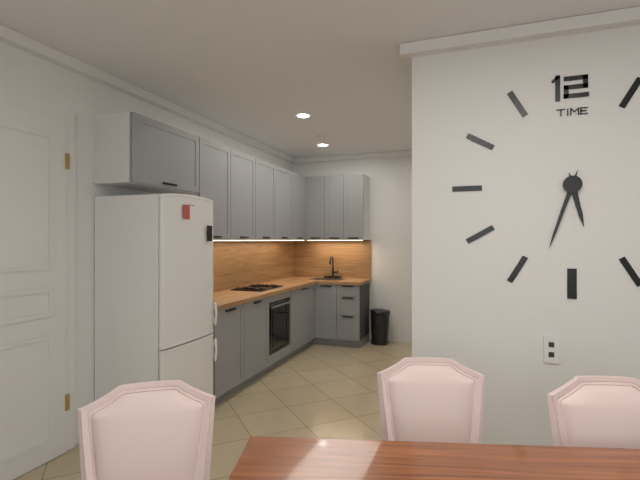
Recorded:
5.33
